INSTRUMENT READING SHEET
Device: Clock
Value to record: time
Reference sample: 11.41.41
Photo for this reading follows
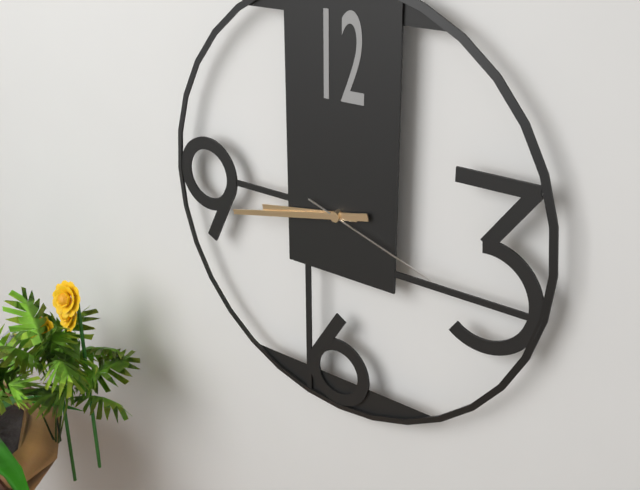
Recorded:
8.43.18
